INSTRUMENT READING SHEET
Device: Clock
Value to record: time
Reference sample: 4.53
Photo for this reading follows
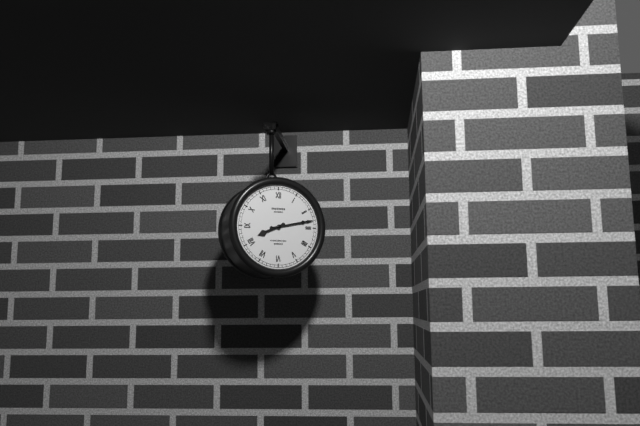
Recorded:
8.13
